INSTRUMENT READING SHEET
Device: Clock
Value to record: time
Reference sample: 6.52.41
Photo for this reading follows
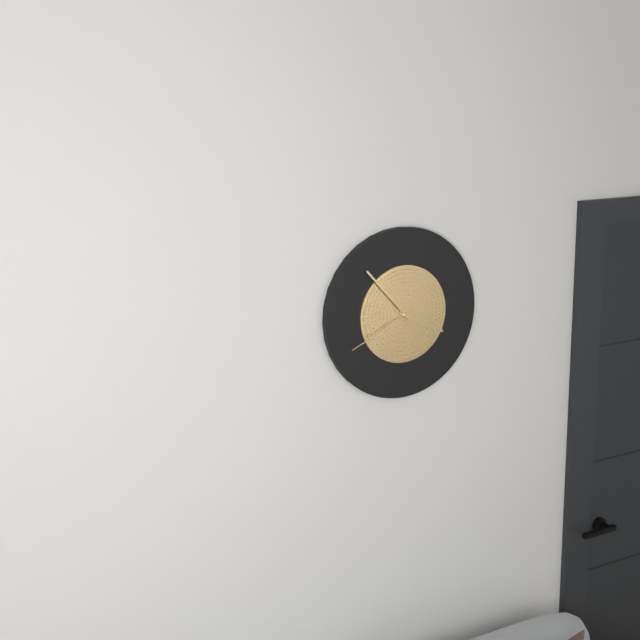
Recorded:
3.53.41
